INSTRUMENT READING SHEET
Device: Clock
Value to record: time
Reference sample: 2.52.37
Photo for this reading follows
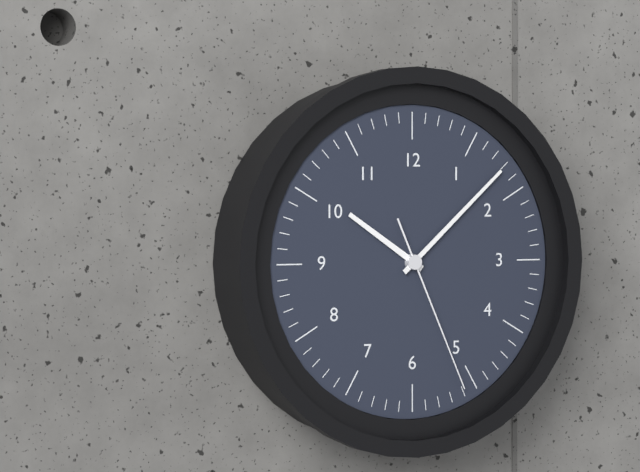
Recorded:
10.08.26
